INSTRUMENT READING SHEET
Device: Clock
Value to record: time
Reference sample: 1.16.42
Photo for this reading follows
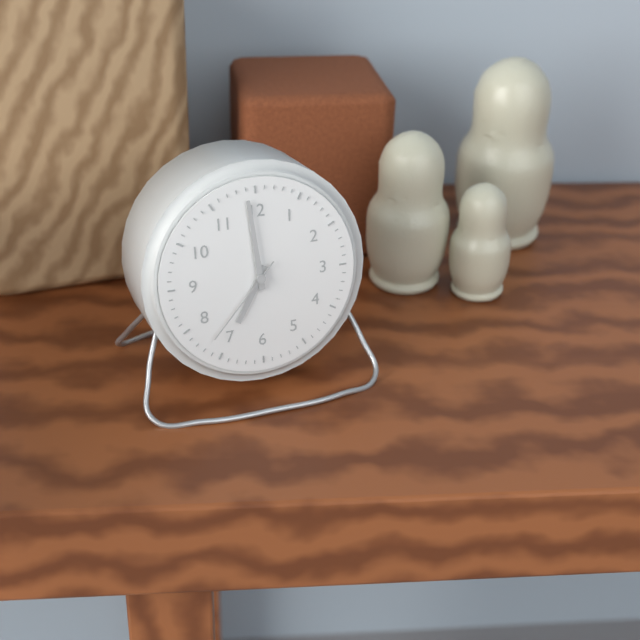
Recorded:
6.59.37
